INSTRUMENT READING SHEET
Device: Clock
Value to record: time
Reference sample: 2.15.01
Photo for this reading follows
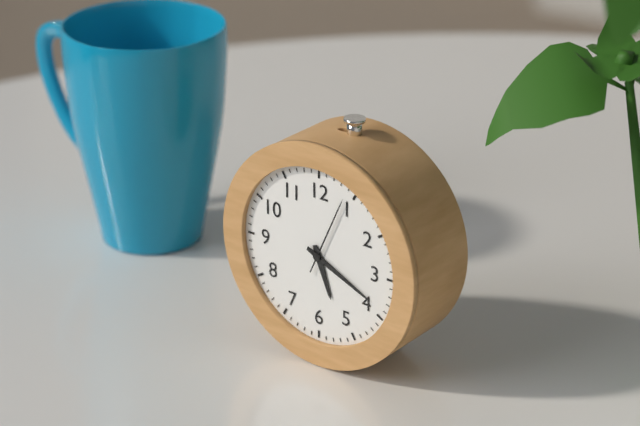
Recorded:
5.19.04
